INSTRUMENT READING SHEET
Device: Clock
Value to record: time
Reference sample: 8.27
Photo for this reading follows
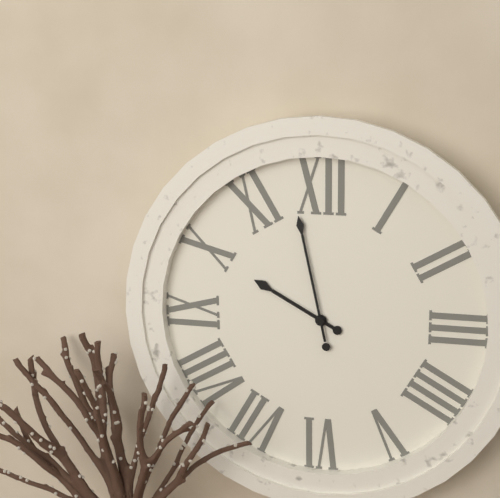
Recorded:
9.58
